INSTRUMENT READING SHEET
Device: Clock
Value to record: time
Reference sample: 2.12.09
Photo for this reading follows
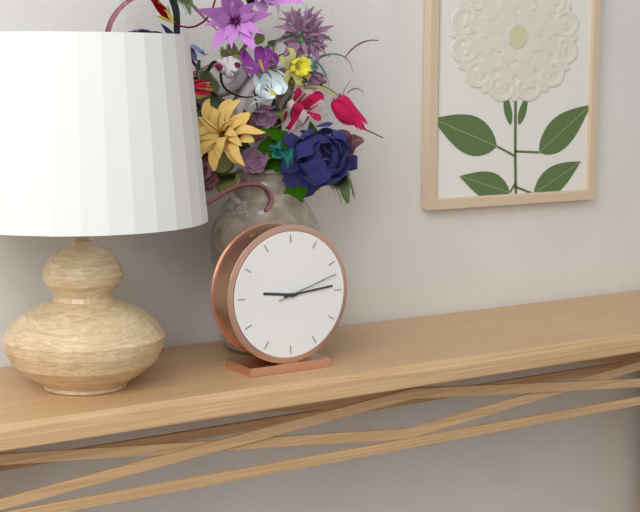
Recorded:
9.14.12
